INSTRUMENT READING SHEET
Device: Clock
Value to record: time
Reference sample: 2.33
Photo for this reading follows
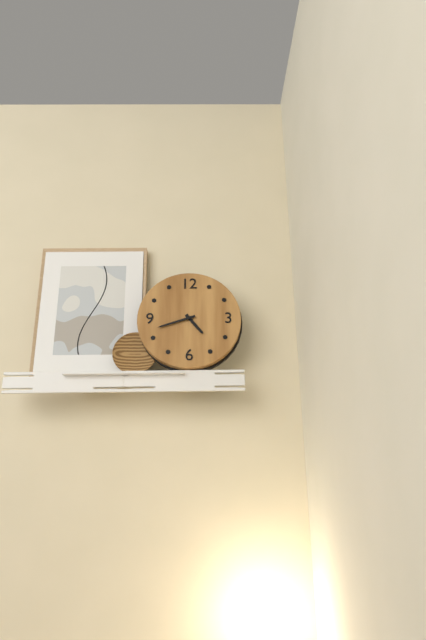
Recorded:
4.42
